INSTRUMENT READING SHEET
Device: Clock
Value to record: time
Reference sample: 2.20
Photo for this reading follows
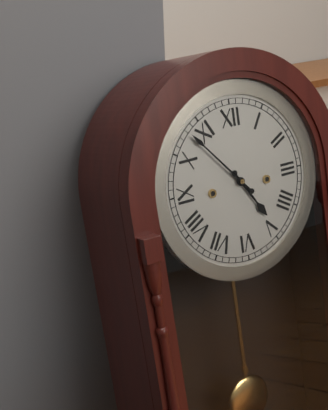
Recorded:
4.53
